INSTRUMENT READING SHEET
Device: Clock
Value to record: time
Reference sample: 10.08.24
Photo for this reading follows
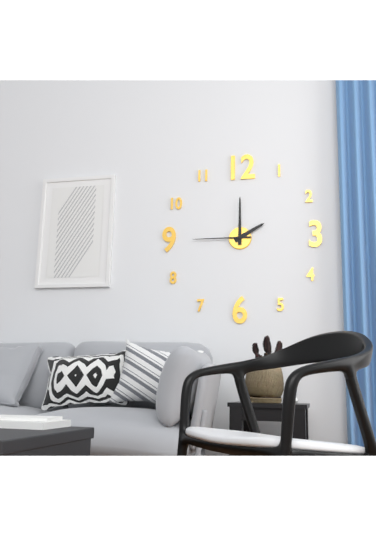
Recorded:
2.00.45
